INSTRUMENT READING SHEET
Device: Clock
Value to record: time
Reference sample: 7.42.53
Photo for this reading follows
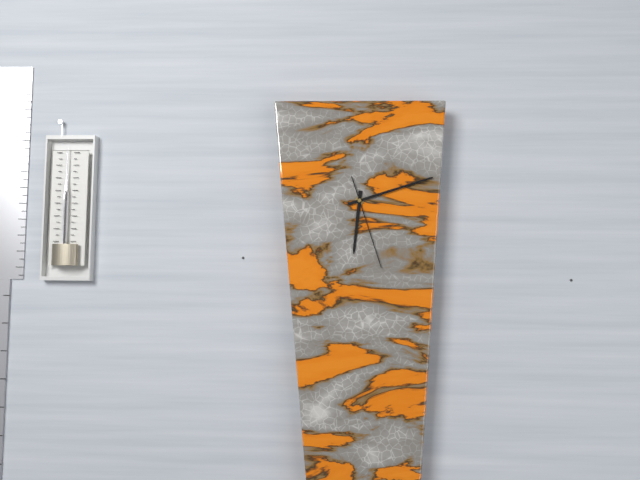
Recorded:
6.12.27
